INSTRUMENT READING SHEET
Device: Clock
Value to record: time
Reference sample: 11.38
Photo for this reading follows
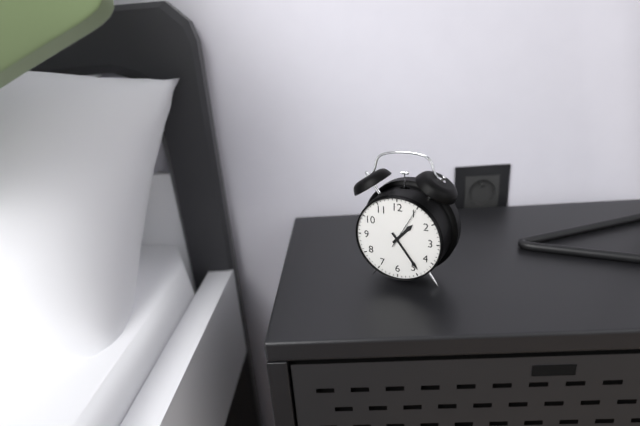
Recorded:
1.24
